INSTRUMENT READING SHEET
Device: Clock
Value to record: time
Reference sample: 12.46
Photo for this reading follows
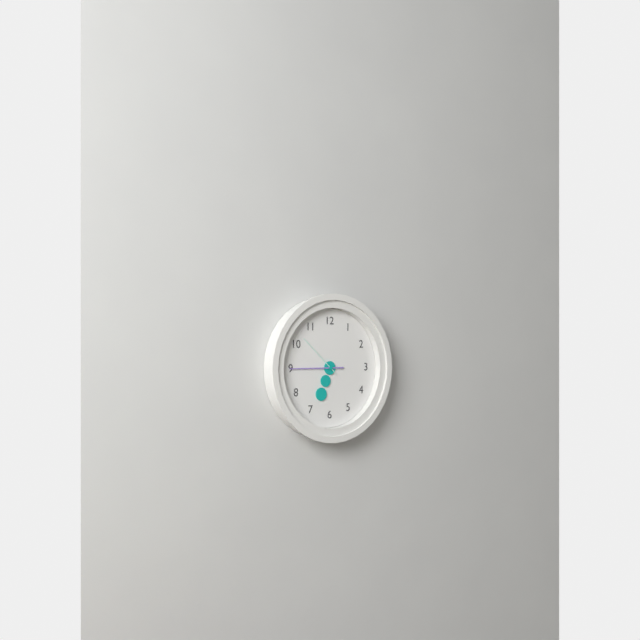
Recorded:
6.45
